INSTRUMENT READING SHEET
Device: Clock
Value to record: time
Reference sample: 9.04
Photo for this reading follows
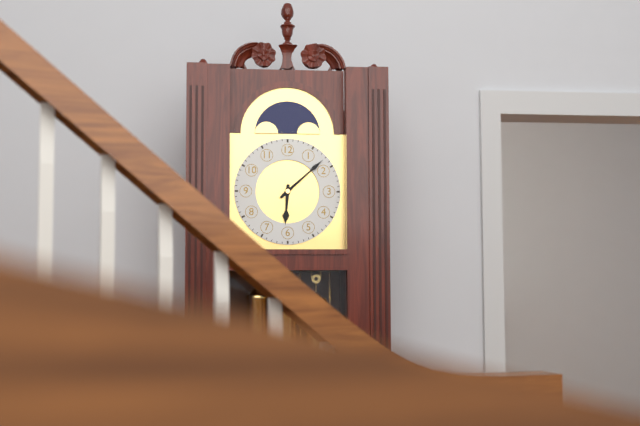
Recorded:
6.08
